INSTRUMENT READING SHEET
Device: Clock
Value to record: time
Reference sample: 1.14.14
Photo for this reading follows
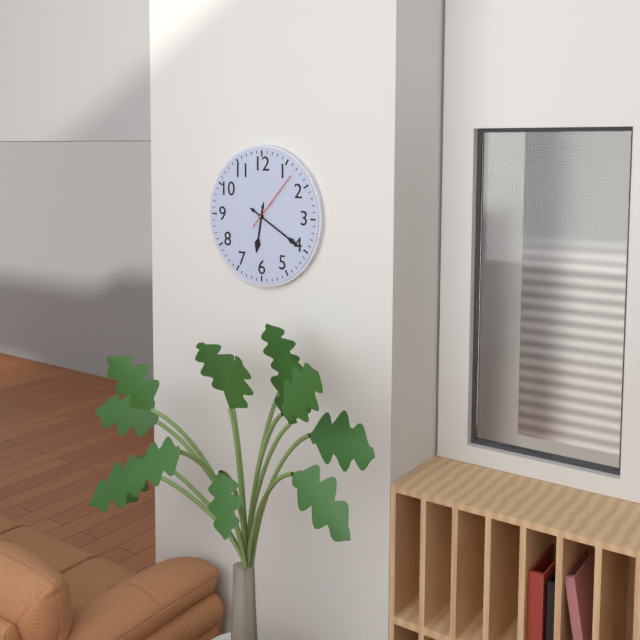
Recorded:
6.20.07
